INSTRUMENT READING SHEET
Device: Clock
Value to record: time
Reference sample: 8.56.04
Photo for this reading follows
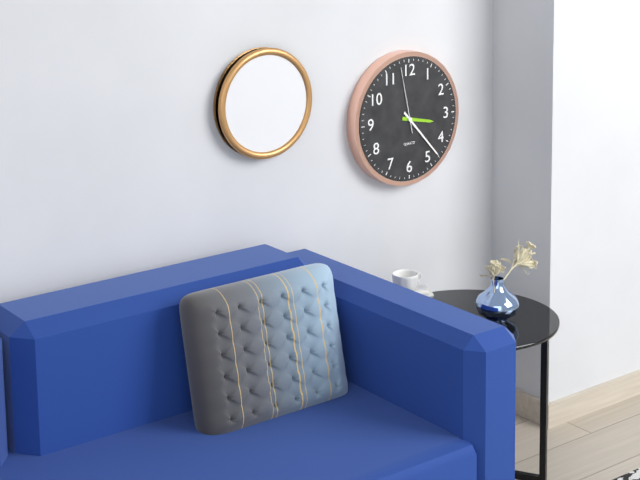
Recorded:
3.23.58
